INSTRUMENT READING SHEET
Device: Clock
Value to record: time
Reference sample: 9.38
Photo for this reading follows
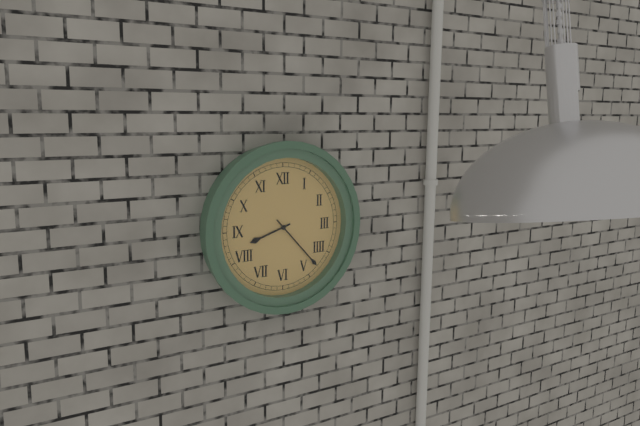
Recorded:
8.23
